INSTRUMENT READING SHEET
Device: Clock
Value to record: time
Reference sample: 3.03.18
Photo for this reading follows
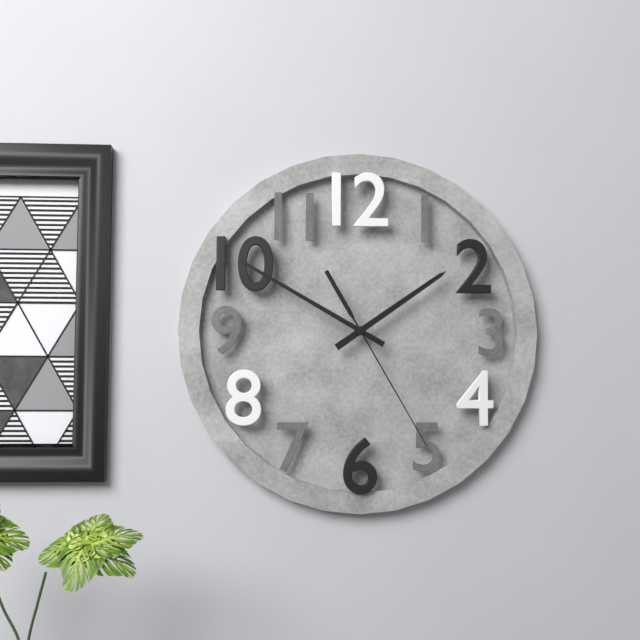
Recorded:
1.50.25
